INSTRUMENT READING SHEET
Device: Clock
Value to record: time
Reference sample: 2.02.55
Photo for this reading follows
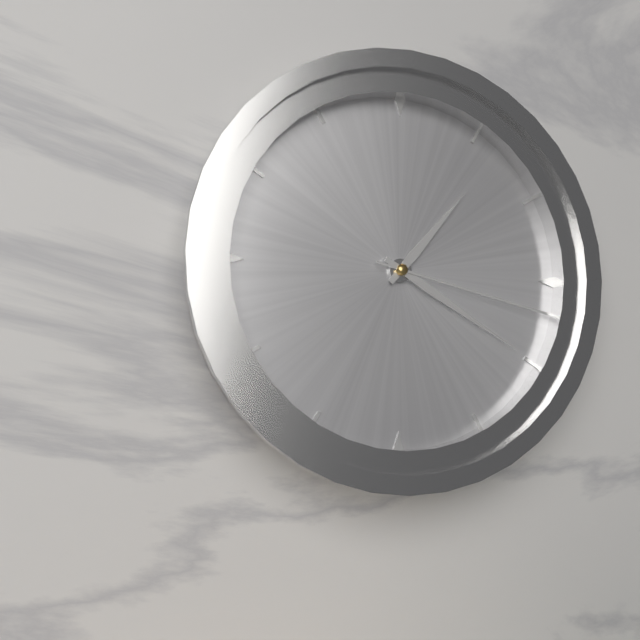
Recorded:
1.20.17
